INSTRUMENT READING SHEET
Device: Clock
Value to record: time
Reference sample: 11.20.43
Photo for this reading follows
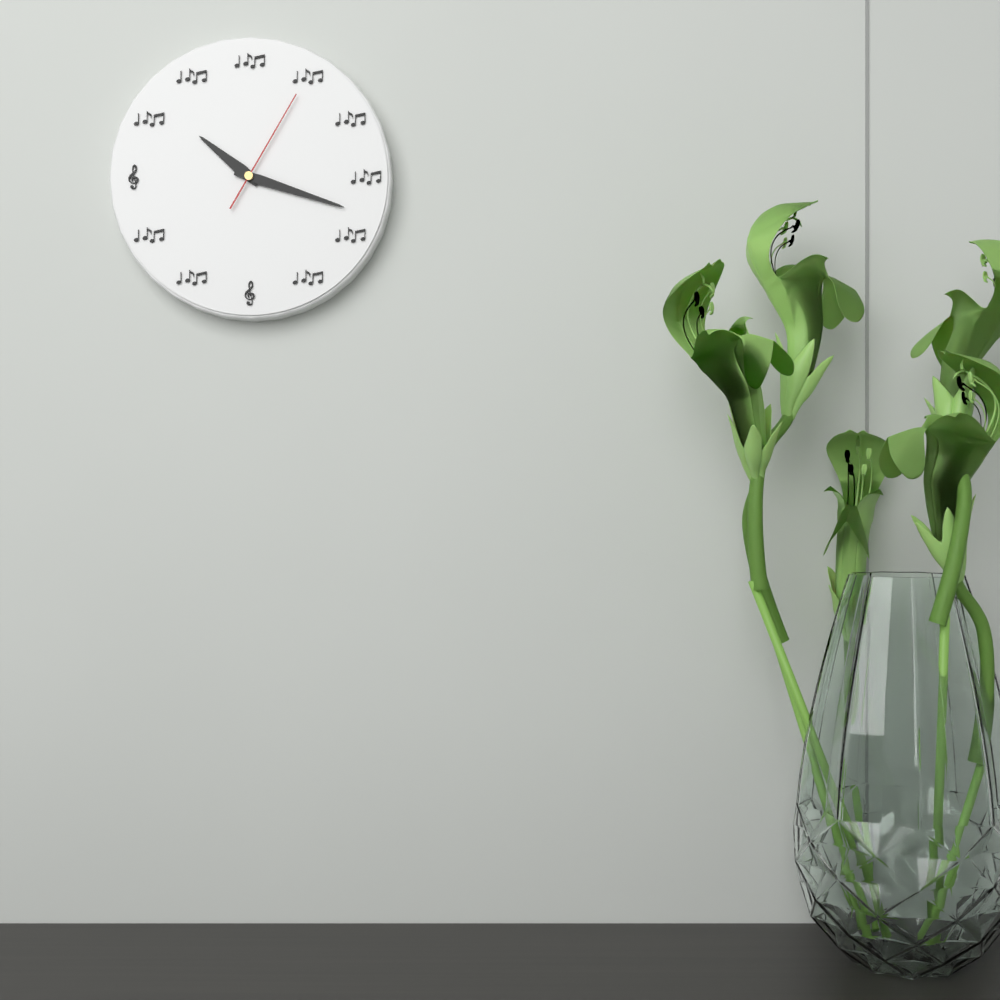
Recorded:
10.18.05
